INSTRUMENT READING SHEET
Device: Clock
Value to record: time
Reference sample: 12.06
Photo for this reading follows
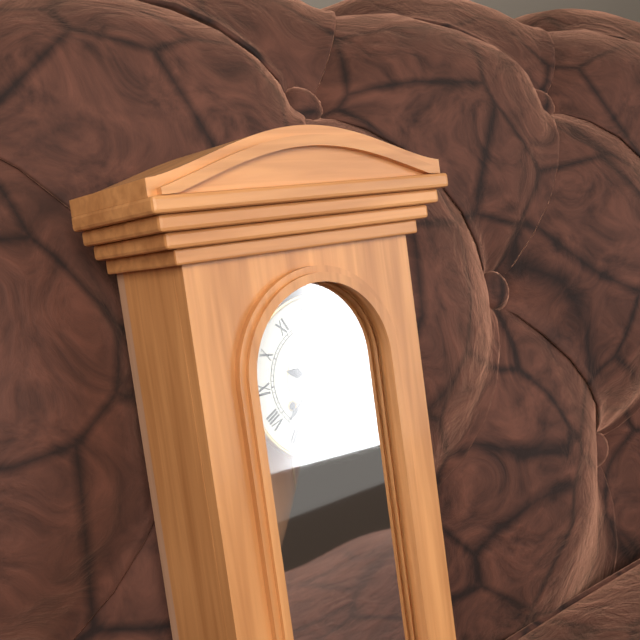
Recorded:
9.38
